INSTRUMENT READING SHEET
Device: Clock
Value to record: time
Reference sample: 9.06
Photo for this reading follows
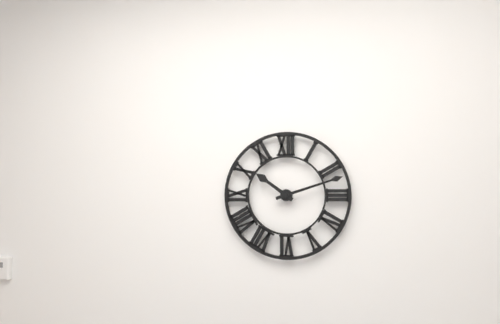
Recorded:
10.12
